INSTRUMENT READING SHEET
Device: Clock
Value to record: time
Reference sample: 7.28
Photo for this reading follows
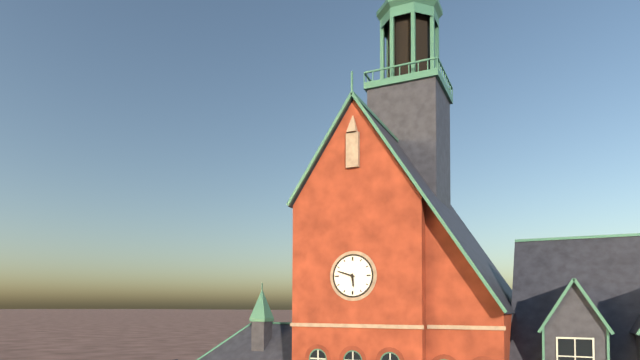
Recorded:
5.48
